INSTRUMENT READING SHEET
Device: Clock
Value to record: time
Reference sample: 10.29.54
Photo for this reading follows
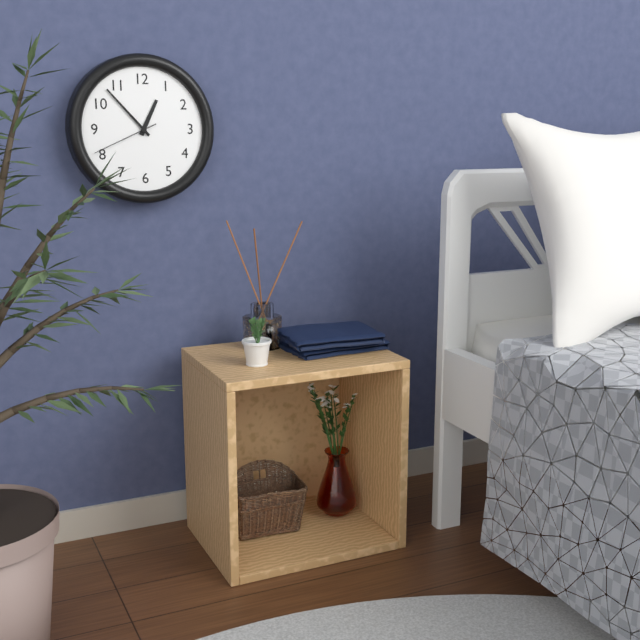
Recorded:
12.53.41
